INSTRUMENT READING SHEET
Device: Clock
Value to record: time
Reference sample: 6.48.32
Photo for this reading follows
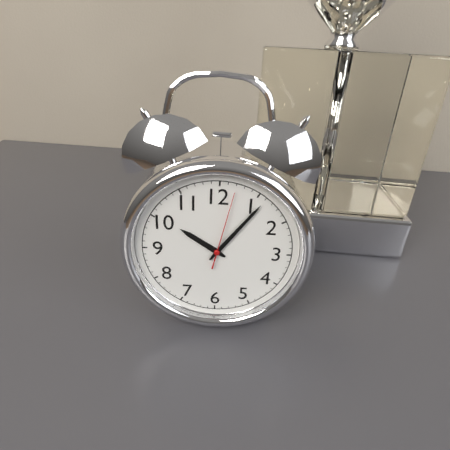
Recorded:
10.06.02
